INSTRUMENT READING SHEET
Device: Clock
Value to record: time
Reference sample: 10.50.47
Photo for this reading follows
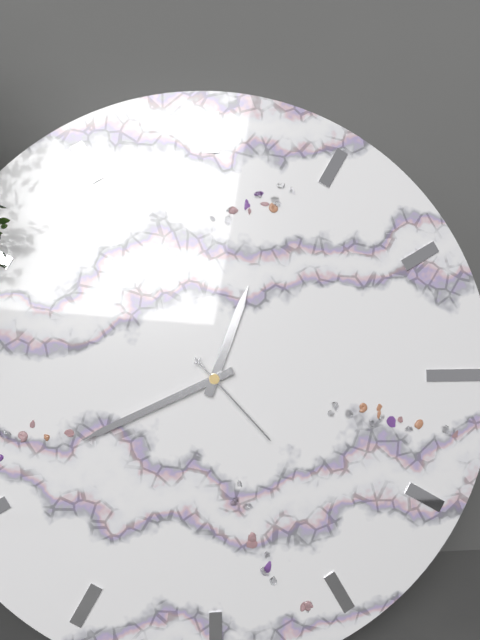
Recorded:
12.41.23
